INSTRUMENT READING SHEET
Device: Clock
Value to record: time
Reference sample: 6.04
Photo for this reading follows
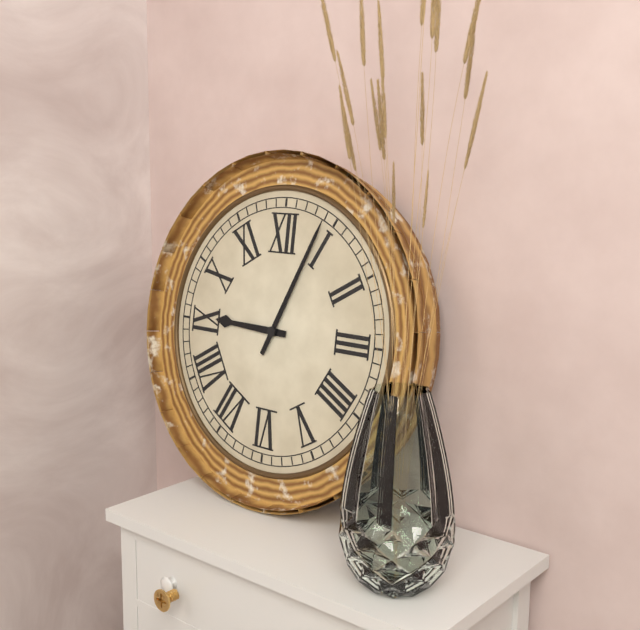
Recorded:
9.04
